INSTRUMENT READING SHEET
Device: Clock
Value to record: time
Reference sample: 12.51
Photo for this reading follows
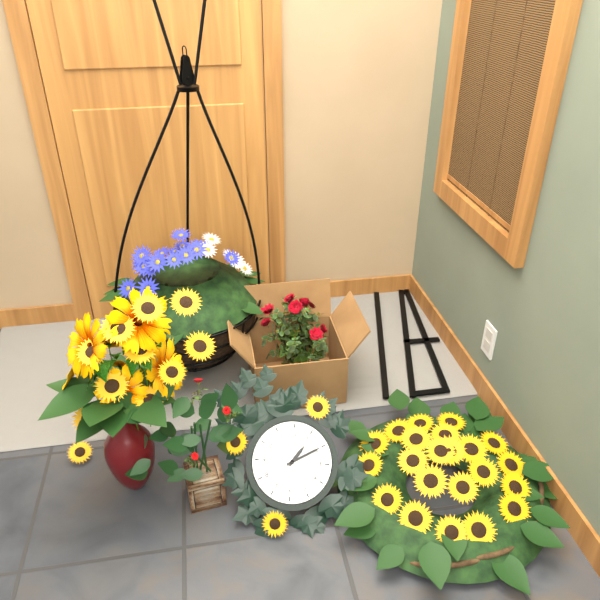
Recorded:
1.10
